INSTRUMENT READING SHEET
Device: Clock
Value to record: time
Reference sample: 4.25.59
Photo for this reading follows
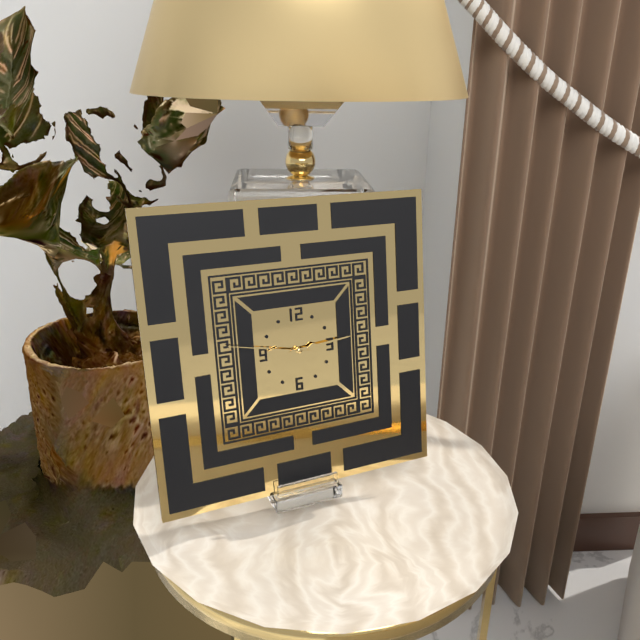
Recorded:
9.14.47
